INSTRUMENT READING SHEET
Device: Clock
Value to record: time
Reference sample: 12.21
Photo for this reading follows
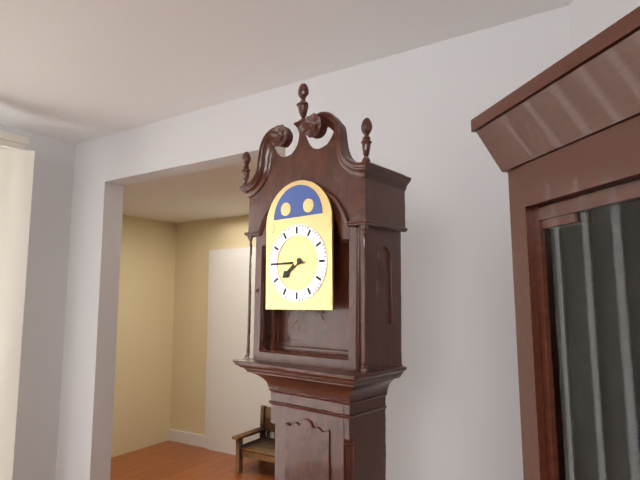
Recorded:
7.45
